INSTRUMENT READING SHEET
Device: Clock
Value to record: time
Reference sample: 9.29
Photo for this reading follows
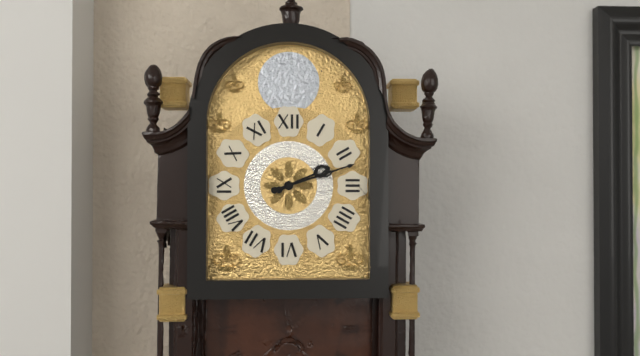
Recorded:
2.12
